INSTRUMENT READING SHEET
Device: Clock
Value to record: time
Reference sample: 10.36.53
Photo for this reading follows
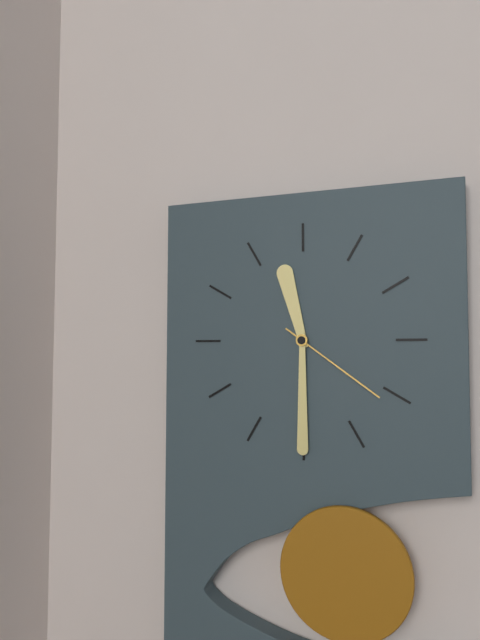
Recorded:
11.30.21
